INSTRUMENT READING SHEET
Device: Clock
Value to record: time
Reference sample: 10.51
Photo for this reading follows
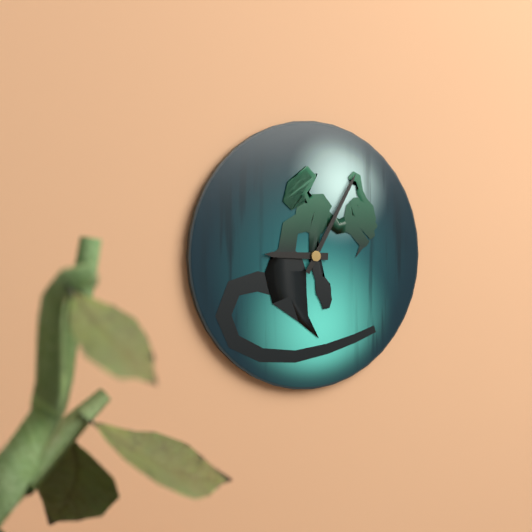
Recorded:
9.05
